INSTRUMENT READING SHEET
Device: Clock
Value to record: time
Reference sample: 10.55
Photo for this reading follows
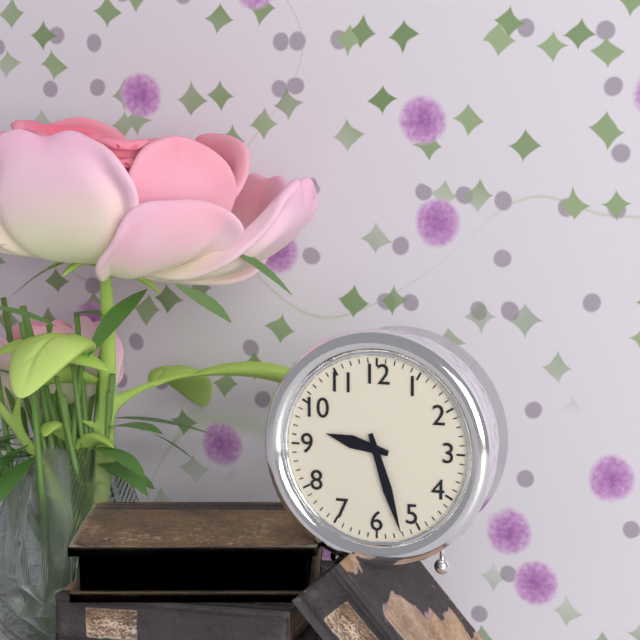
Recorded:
9.27
